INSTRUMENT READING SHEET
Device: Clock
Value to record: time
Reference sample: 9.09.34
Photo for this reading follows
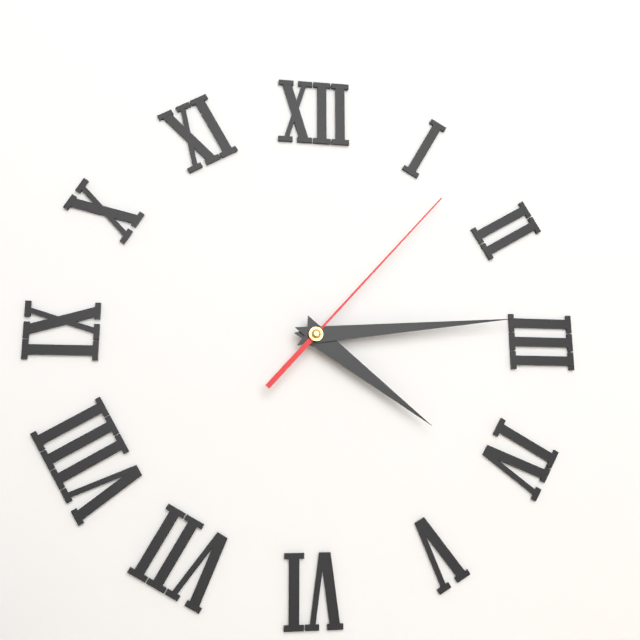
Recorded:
4.14.07
